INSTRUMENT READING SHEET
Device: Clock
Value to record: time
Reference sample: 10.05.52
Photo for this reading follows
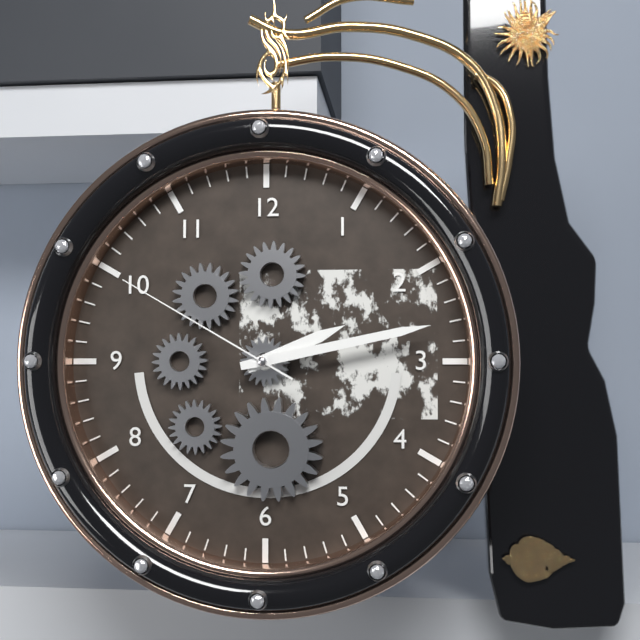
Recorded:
2.13.50
